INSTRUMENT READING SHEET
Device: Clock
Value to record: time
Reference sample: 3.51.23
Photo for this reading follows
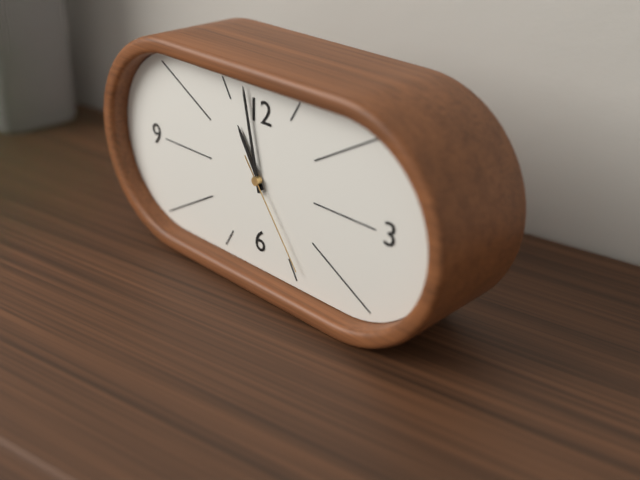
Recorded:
10.58.24
